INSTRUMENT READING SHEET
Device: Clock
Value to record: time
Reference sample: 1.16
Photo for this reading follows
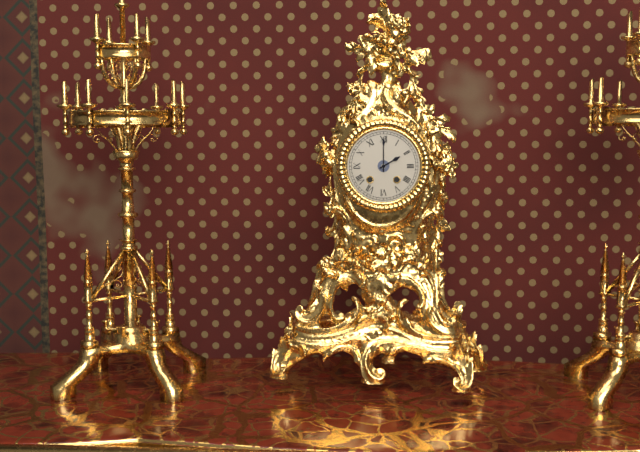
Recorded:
2.00
